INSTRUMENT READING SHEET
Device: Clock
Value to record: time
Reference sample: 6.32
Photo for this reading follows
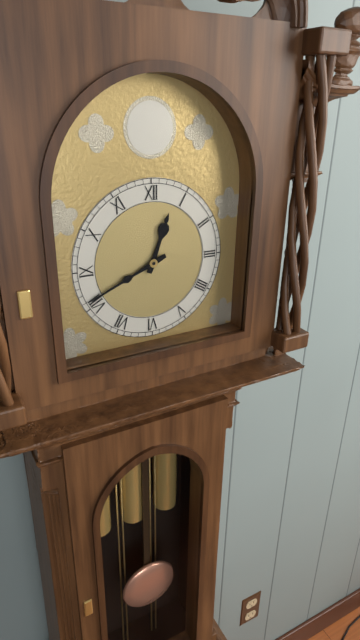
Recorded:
12.41
